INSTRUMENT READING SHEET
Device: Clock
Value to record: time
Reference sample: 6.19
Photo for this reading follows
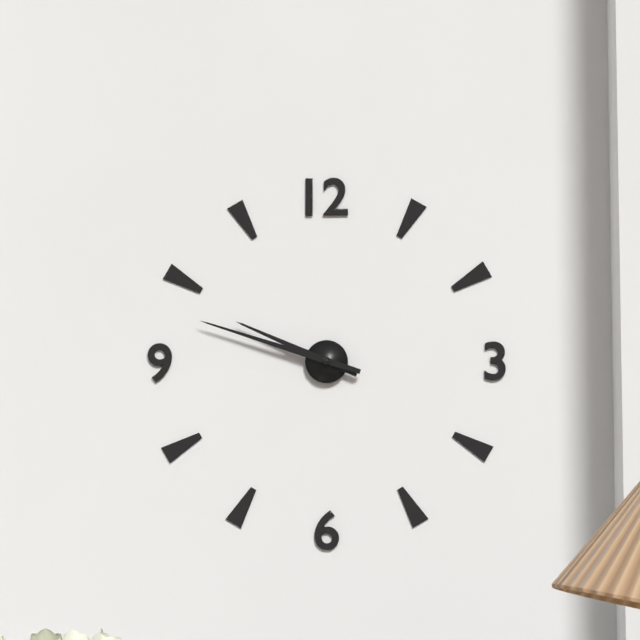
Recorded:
9.48
